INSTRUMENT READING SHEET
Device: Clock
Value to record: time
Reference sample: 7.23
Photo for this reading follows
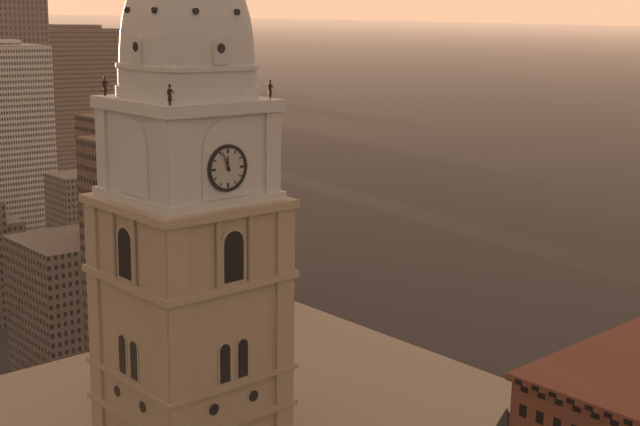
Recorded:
11.56
